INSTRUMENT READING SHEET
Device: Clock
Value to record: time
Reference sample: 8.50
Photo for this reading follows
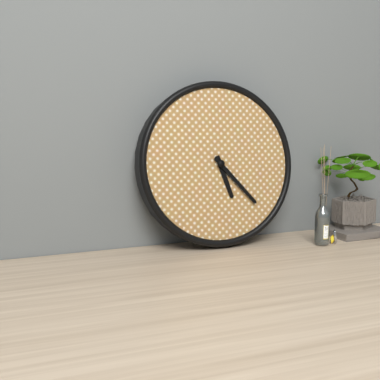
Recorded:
5.23
